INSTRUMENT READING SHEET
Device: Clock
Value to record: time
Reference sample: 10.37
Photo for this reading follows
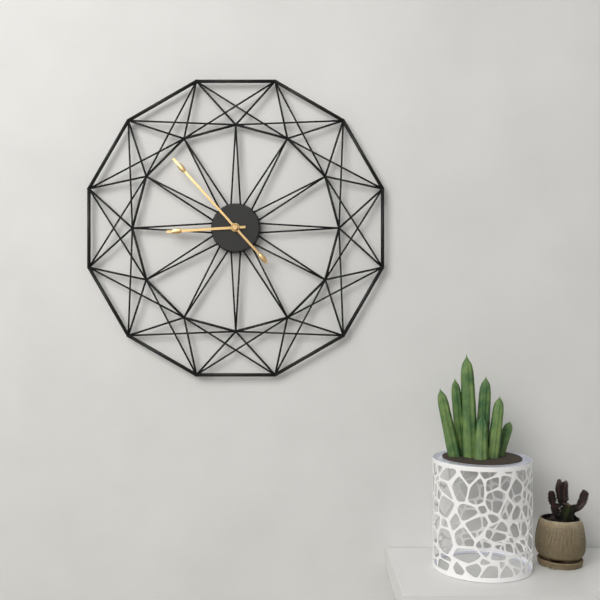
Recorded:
8.53
